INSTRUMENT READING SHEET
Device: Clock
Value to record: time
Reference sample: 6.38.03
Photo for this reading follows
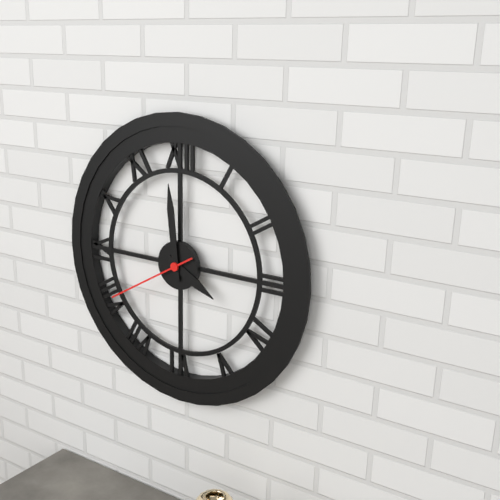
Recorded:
3.59.40
